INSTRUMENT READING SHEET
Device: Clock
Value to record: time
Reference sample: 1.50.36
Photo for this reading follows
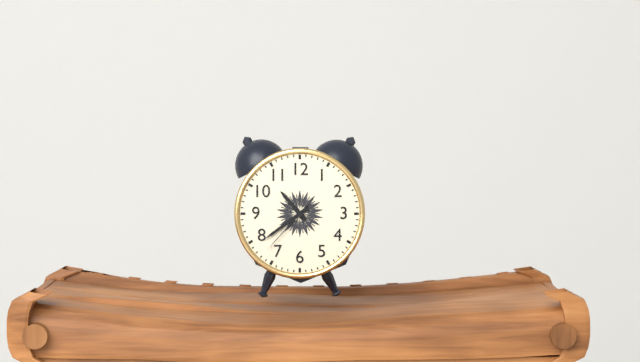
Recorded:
10.39.37
